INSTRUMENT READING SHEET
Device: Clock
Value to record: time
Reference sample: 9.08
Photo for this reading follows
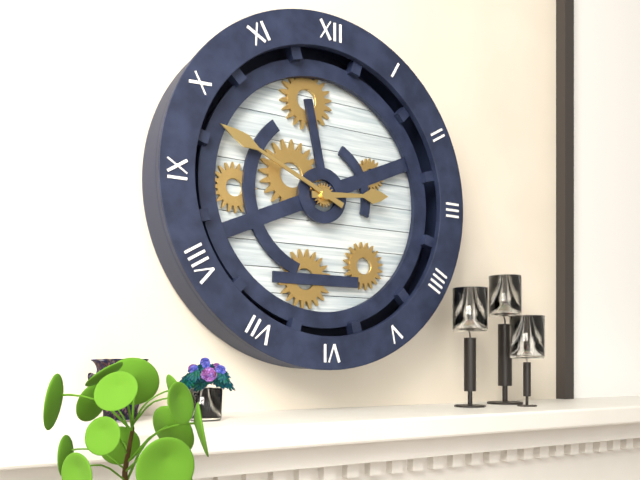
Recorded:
2.49
